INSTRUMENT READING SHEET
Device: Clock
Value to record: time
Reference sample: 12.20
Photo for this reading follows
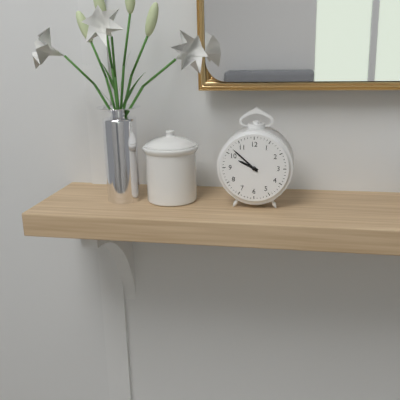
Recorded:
9.52
